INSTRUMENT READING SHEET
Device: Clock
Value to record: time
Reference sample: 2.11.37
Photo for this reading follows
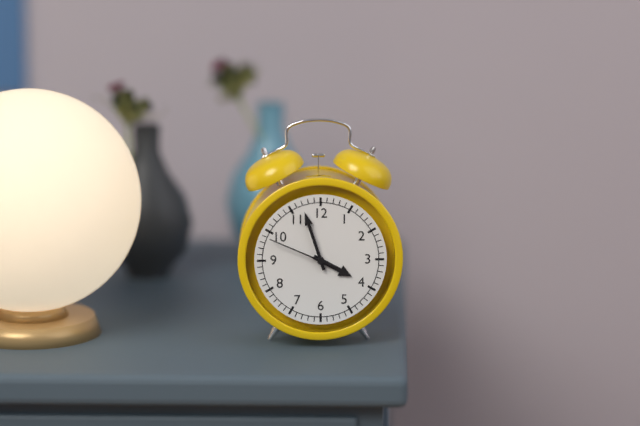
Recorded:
3.57.49
